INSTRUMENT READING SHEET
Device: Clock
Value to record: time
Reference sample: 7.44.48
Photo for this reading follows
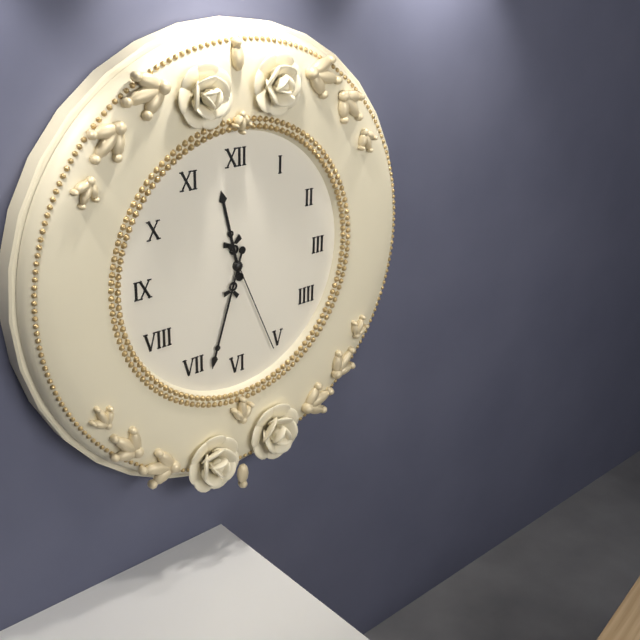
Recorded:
11.33.26
